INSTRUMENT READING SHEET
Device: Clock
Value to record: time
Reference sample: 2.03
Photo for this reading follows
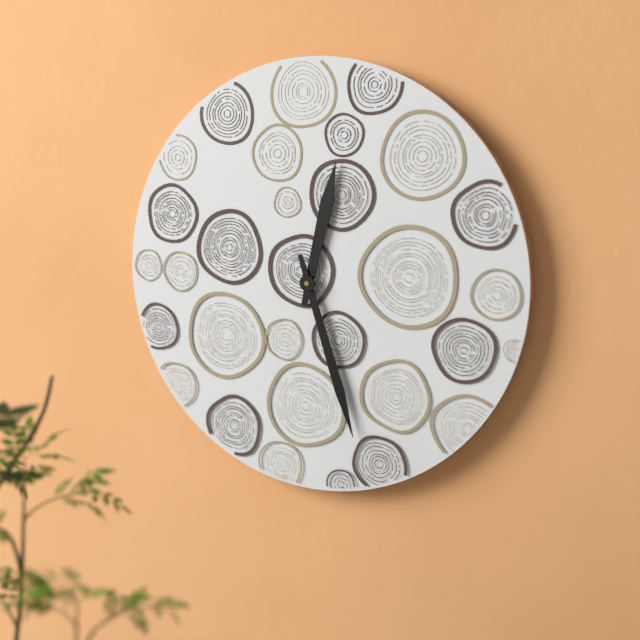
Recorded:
12.27
